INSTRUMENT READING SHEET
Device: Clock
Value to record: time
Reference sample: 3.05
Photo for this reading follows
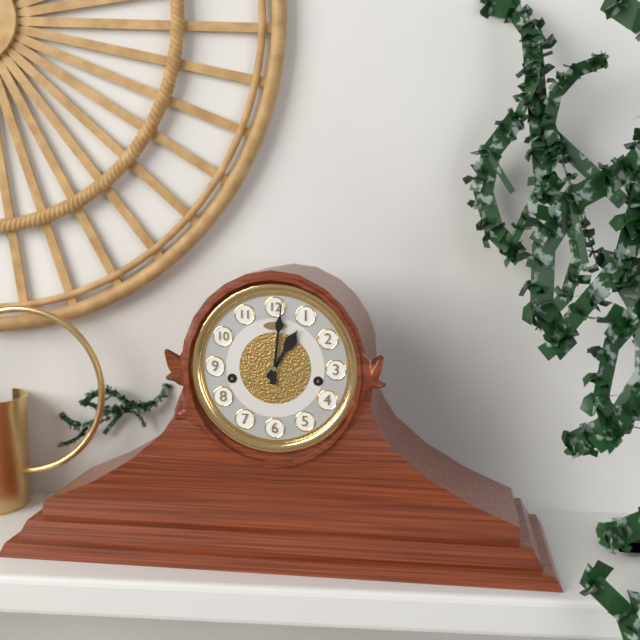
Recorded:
1.01
